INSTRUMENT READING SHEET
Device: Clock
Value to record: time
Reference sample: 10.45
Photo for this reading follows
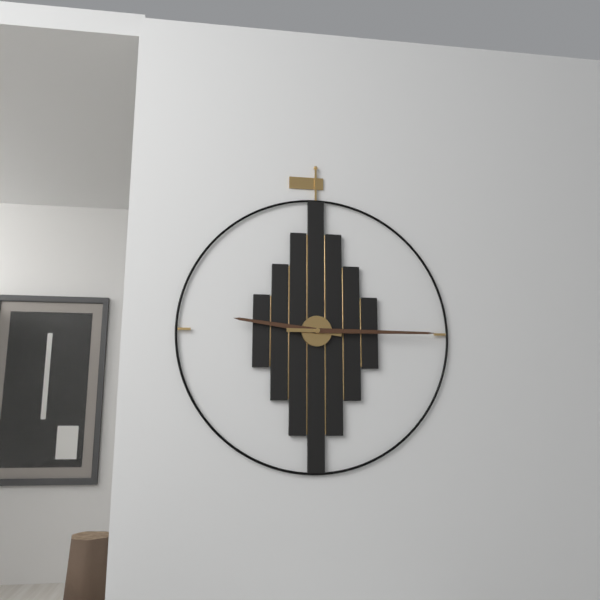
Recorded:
9.15
